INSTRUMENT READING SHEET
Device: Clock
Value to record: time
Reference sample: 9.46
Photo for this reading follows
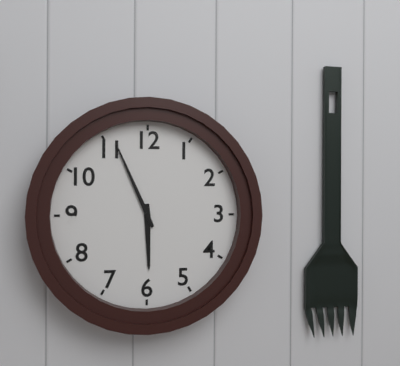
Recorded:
5.56
